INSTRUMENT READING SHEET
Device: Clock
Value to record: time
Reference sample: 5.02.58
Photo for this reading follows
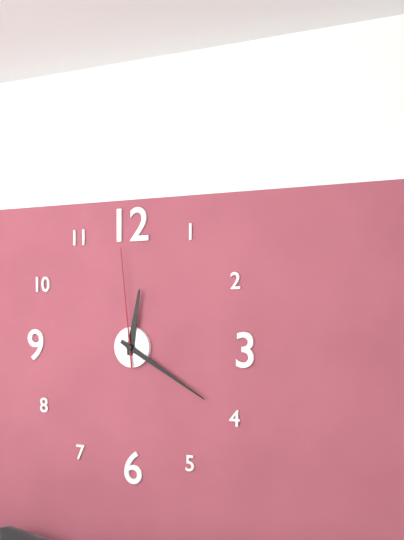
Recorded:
12.20.59
